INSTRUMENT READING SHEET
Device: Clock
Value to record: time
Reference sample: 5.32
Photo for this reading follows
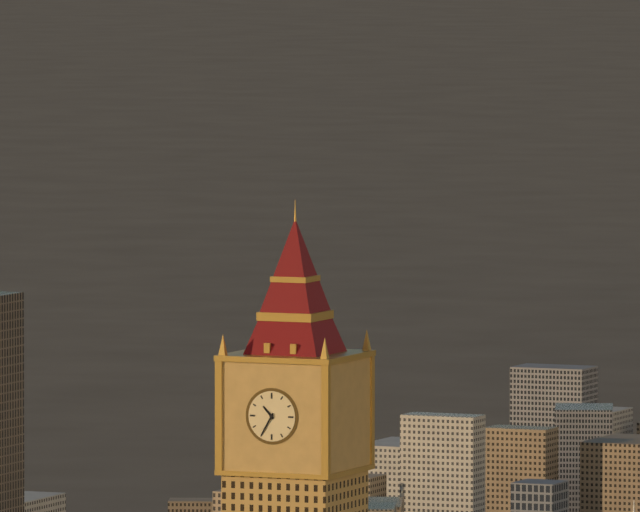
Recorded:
10.35
